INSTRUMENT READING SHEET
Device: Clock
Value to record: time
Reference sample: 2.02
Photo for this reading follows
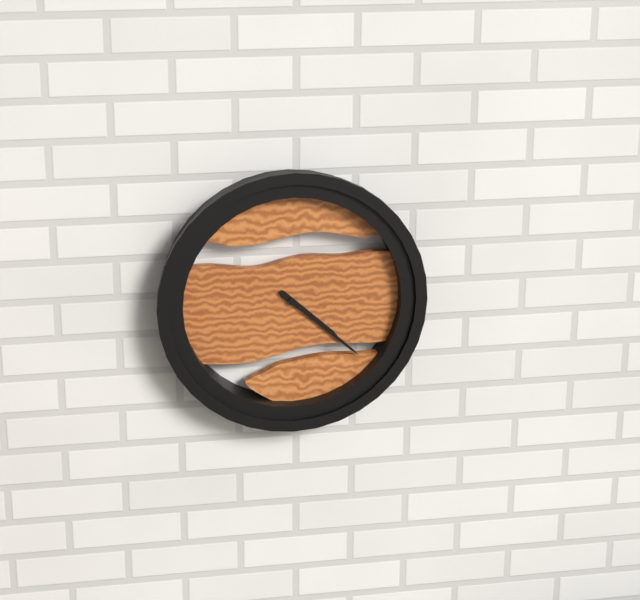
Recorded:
4.22
